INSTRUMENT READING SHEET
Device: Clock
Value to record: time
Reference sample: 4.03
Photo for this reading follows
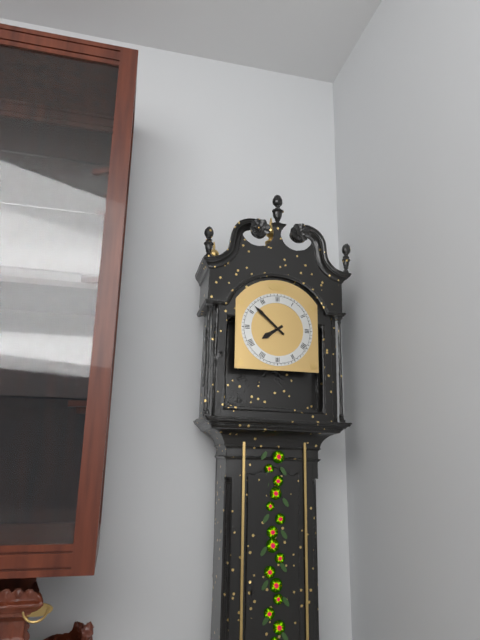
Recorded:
7.52
